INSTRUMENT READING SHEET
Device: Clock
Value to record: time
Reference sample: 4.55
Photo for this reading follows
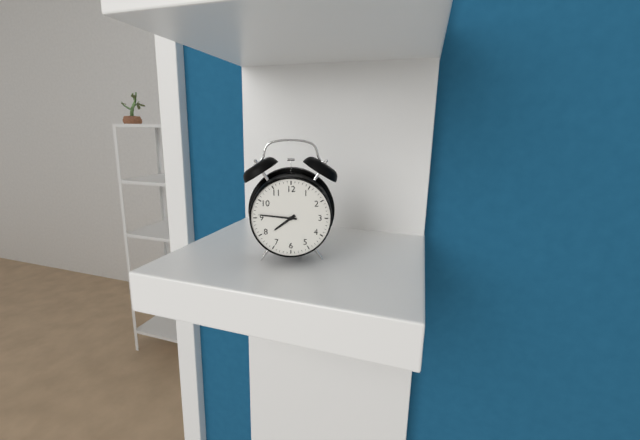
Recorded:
7.46
